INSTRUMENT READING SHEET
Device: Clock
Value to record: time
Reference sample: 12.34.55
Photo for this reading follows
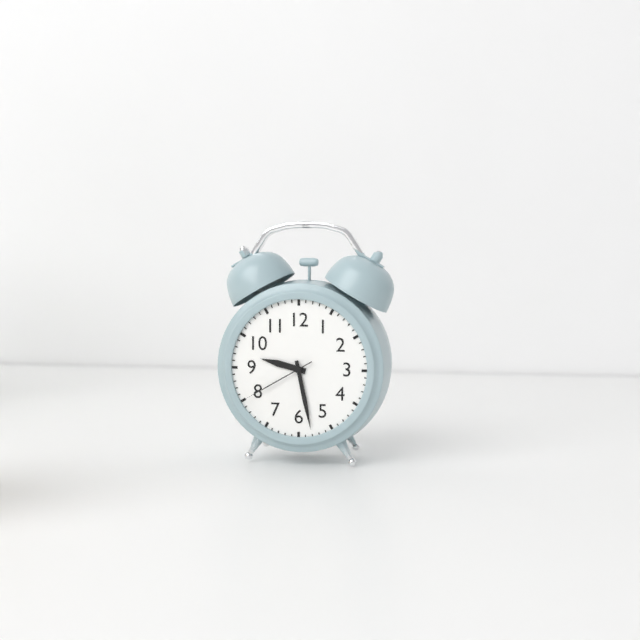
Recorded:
9.28.40
